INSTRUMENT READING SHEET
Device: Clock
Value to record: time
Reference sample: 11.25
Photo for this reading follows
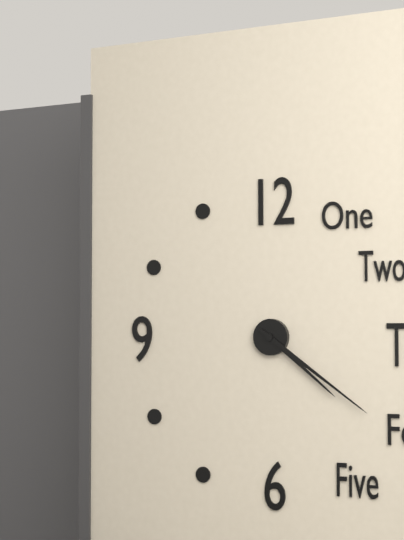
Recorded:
4.21
